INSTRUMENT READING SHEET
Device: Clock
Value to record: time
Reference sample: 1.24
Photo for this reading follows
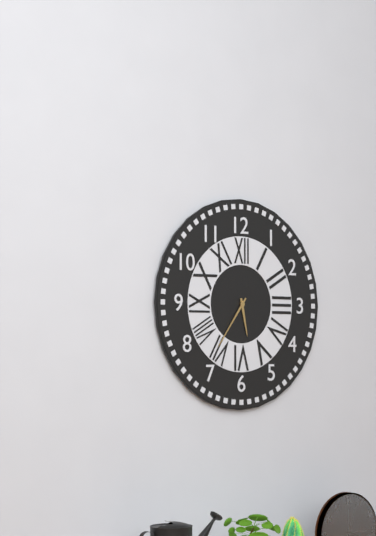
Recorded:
5.36
